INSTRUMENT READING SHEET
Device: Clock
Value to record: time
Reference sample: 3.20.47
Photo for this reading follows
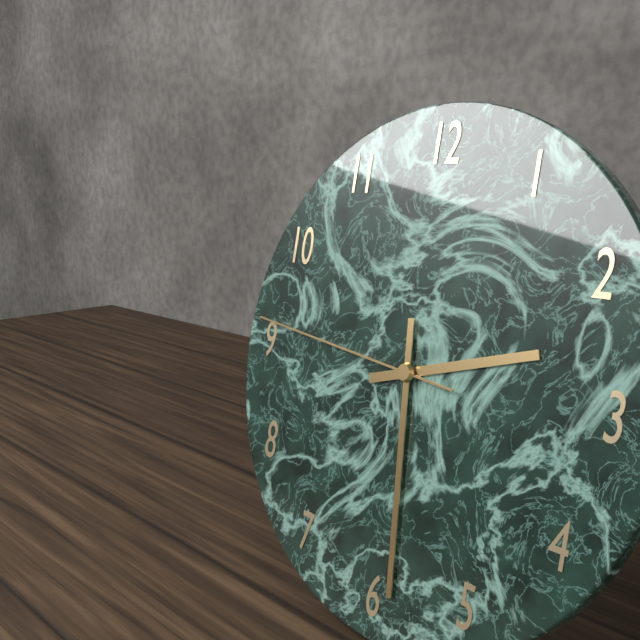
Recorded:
2.29.46
